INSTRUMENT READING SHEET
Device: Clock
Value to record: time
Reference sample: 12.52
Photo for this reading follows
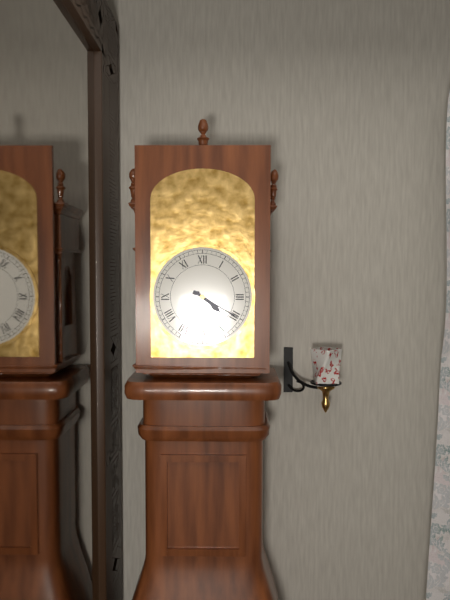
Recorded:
4.20
